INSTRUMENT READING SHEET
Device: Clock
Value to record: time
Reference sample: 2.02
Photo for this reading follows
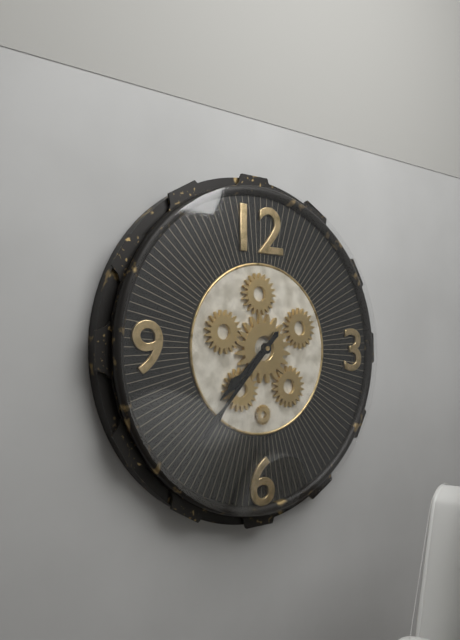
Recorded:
7.37
